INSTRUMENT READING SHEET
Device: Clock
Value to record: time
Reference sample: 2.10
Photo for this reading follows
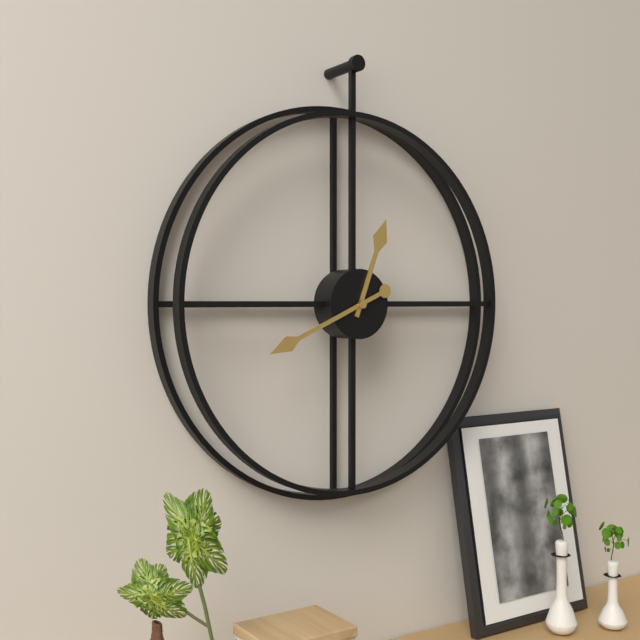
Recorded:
12.41
